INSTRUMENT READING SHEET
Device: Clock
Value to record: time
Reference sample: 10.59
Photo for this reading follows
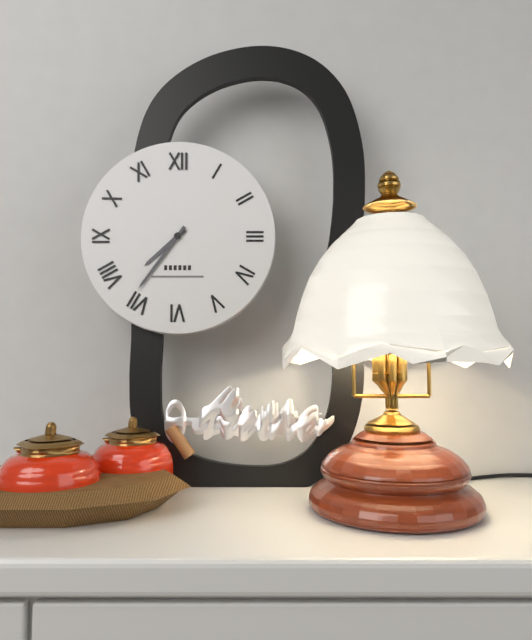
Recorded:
7.36
